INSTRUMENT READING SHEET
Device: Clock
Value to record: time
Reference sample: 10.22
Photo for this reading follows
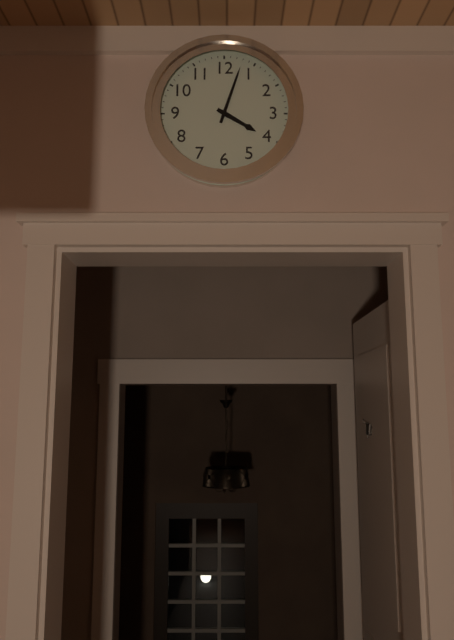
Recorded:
4.03
